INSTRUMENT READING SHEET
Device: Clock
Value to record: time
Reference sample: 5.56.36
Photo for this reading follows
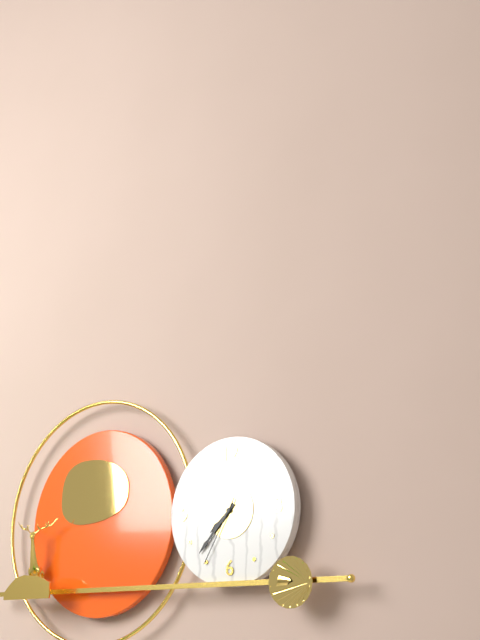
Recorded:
7.37.35
